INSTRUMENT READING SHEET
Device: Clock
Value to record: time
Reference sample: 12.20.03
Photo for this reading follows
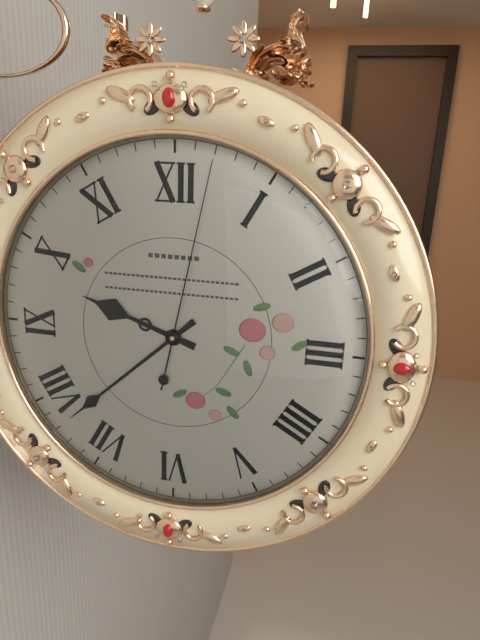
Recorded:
9.38.02
